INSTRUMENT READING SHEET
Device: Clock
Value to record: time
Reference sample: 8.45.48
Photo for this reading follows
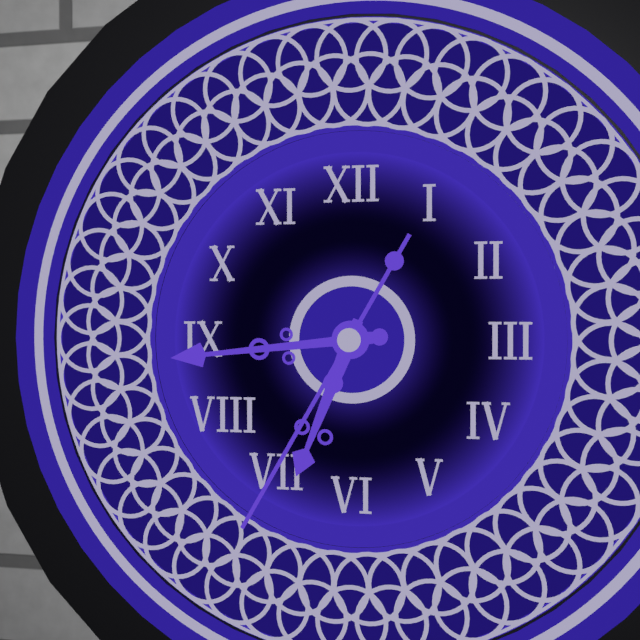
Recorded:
6.44.35
